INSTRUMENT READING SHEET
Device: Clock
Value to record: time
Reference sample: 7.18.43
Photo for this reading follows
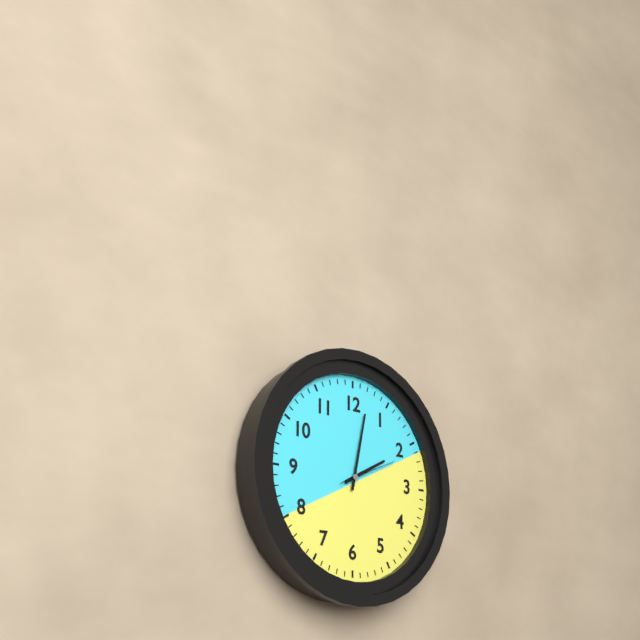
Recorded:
2.02.11
